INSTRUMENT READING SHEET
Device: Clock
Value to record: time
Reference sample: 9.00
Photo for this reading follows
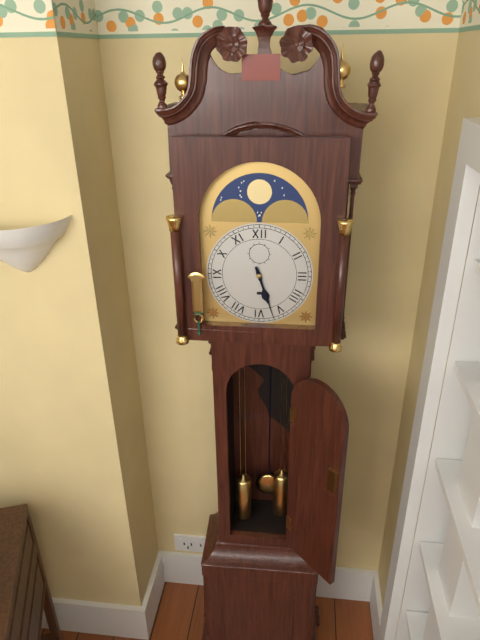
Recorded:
5.27
